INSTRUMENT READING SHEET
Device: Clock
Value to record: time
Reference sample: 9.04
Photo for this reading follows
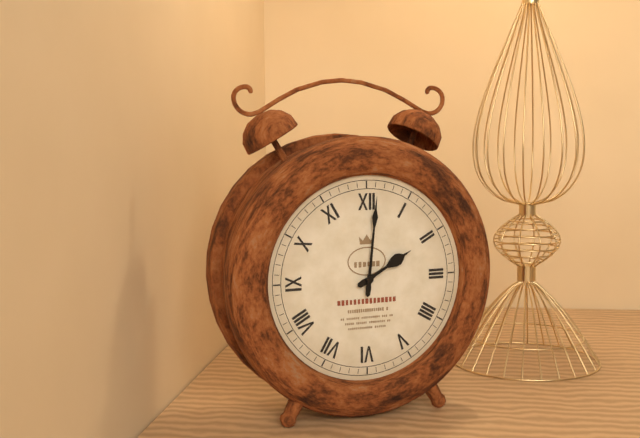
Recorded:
2.01
